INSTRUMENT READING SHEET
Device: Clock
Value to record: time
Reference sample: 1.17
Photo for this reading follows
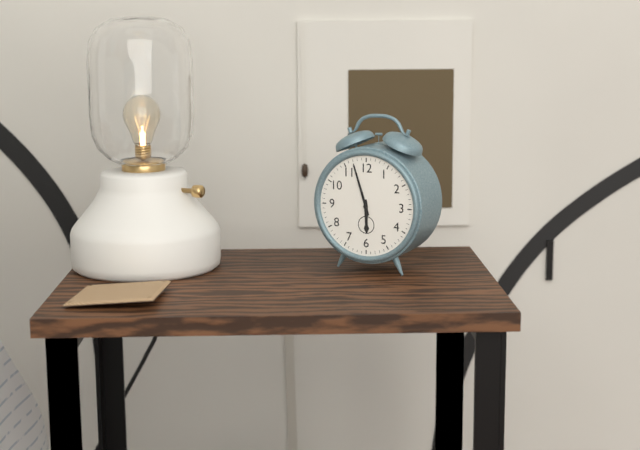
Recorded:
5.57
